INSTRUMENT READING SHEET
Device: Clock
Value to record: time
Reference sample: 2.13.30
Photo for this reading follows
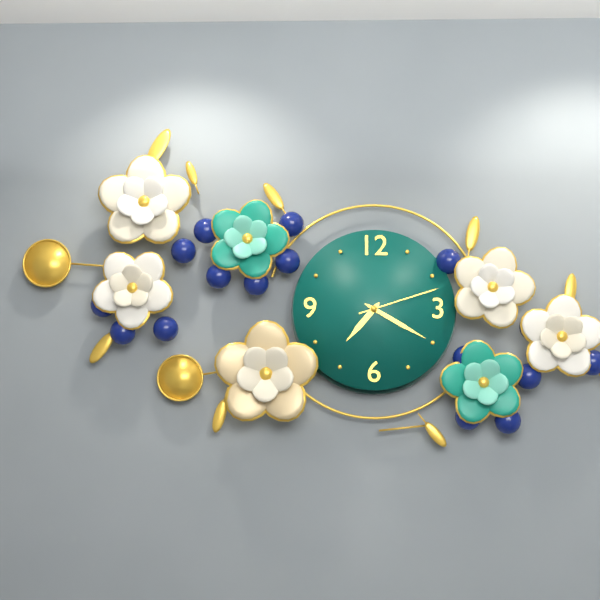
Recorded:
7.20.12
